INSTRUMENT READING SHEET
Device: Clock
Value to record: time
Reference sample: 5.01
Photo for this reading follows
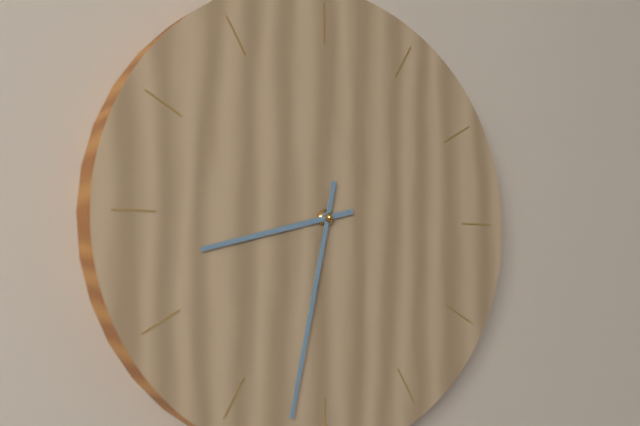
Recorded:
8.32
